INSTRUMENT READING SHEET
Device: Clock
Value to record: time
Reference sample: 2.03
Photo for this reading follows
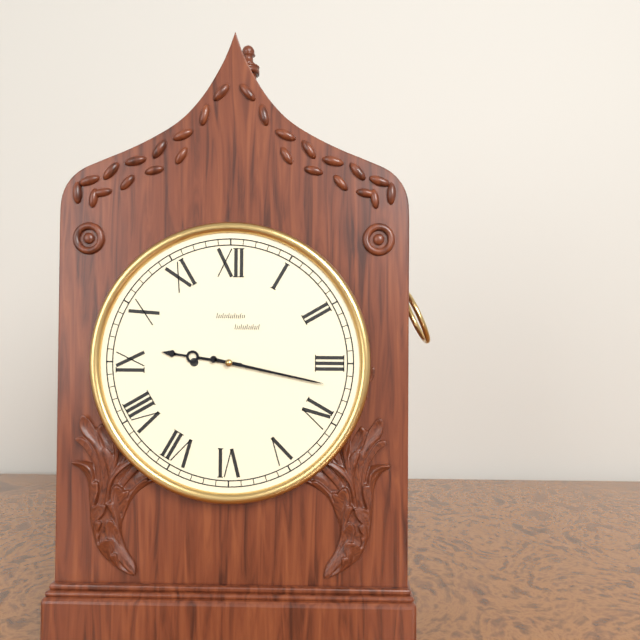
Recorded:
9.17
